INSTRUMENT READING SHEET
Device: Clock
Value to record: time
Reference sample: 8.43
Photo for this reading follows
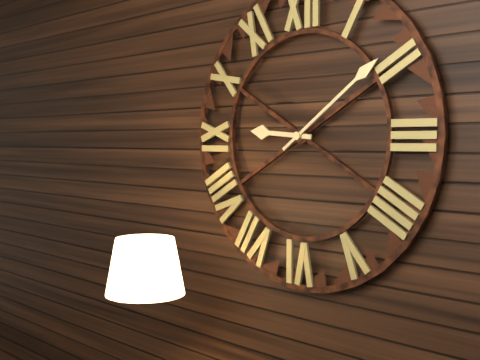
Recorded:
9.09
